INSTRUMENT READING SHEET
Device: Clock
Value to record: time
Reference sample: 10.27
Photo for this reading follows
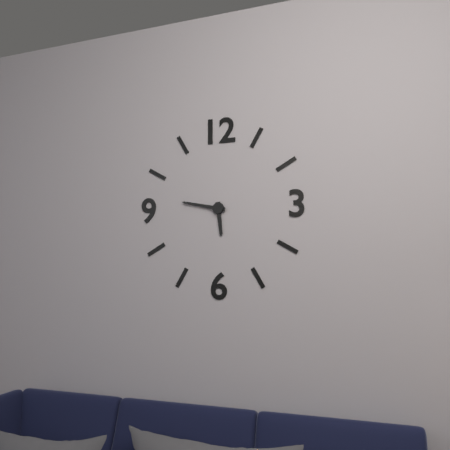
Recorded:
5.47
